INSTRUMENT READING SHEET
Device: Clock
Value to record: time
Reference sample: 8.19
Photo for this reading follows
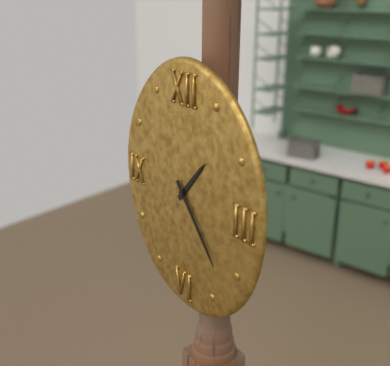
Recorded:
1.23
